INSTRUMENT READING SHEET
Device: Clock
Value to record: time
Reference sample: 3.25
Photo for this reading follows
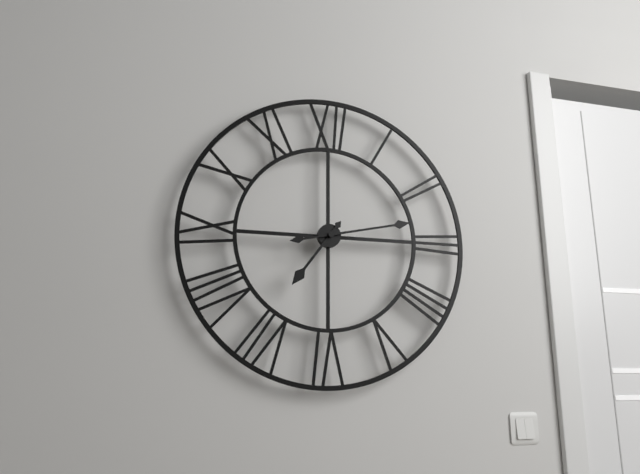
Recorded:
7.13
